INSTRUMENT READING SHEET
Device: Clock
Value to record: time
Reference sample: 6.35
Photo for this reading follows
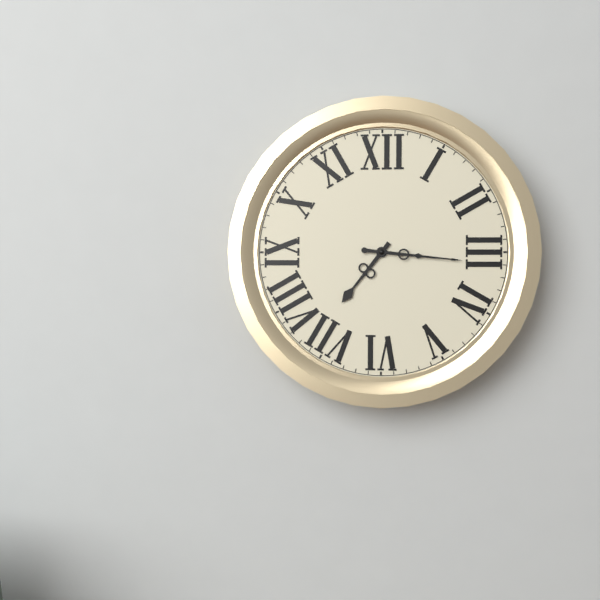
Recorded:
7.16
